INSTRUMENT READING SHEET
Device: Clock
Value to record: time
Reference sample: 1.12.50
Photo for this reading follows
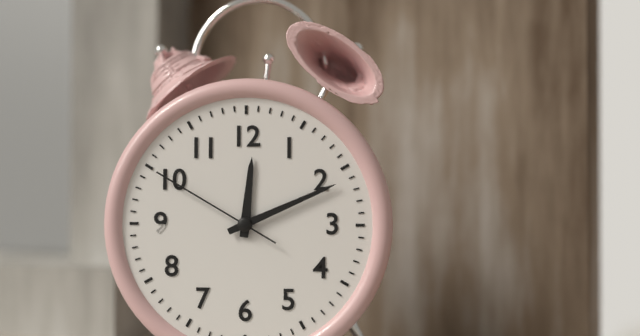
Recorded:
12.11.50
